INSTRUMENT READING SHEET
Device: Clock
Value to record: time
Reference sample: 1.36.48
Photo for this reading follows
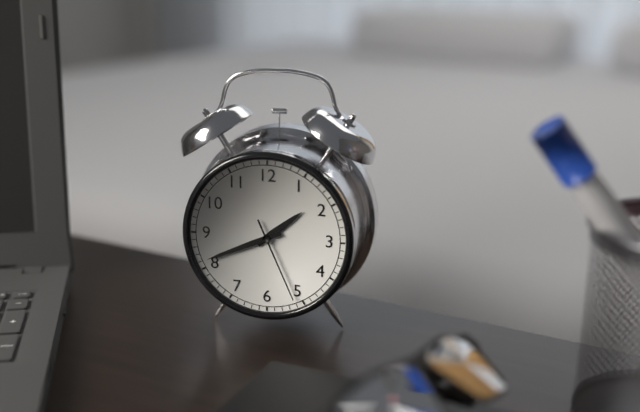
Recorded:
1.41.26
